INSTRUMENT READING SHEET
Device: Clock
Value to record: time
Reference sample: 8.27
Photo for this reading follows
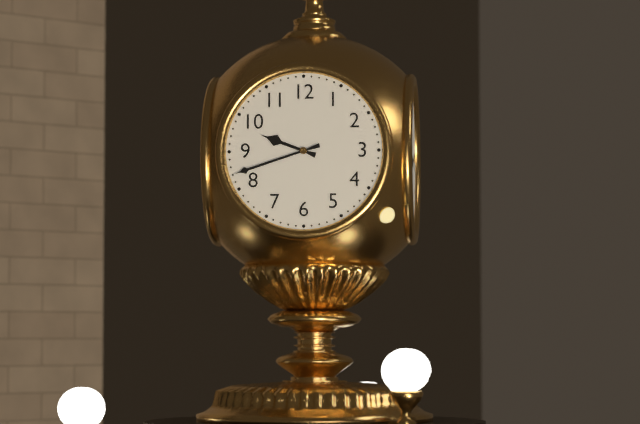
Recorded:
9.42
